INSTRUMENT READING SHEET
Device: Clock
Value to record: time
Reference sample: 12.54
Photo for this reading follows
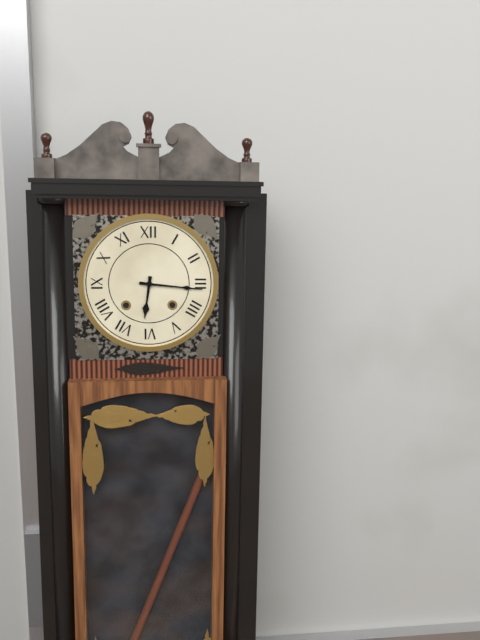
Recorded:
6.16
